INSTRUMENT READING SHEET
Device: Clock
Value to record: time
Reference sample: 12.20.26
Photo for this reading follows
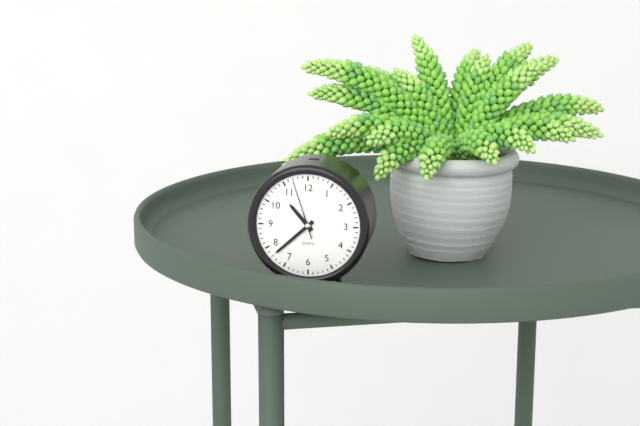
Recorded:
10.38.57
